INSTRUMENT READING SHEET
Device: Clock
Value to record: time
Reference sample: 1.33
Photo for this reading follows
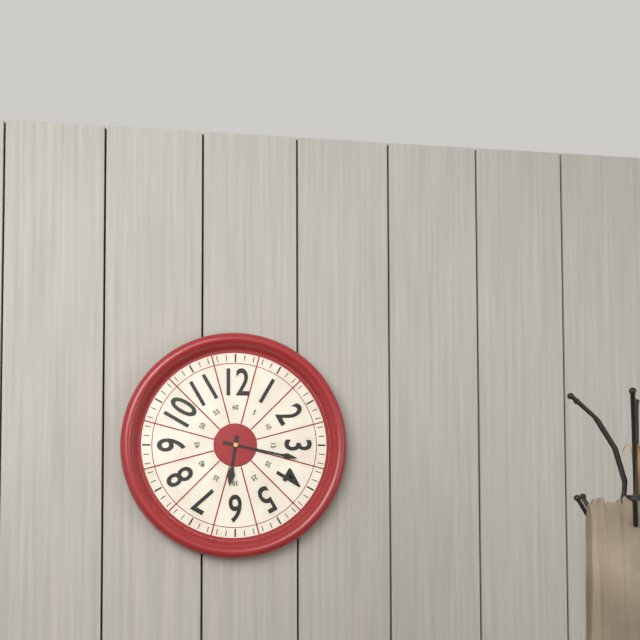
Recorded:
6.17
